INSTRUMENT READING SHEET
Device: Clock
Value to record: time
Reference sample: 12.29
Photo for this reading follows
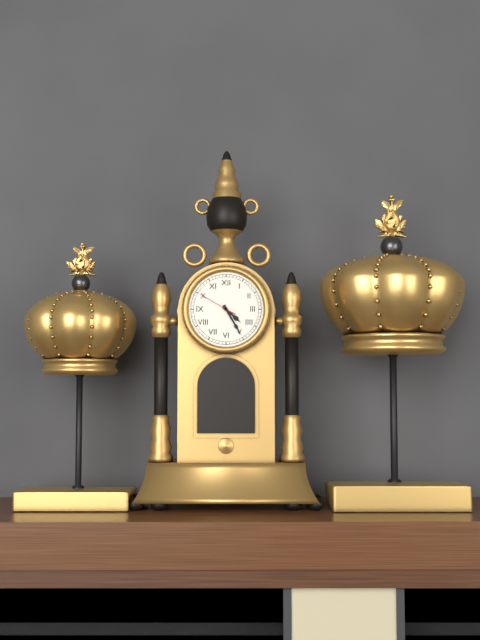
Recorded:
4.25
